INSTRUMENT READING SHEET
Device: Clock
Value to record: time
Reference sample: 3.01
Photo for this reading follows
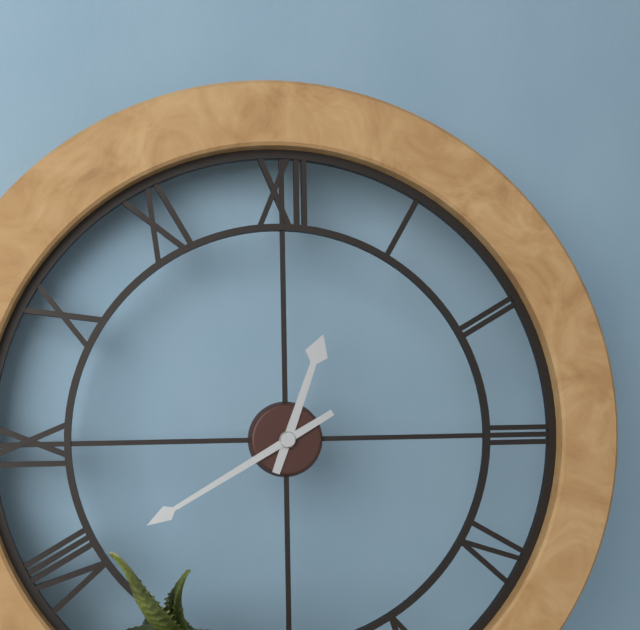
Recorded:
12.40
